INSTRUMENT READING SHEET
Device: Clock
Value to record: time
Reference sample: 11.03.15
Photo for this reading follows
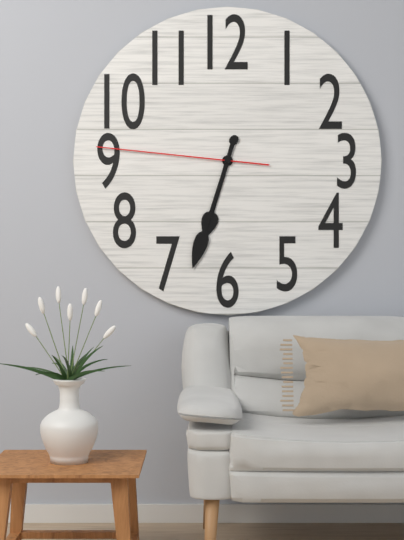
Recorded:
6.33.46
